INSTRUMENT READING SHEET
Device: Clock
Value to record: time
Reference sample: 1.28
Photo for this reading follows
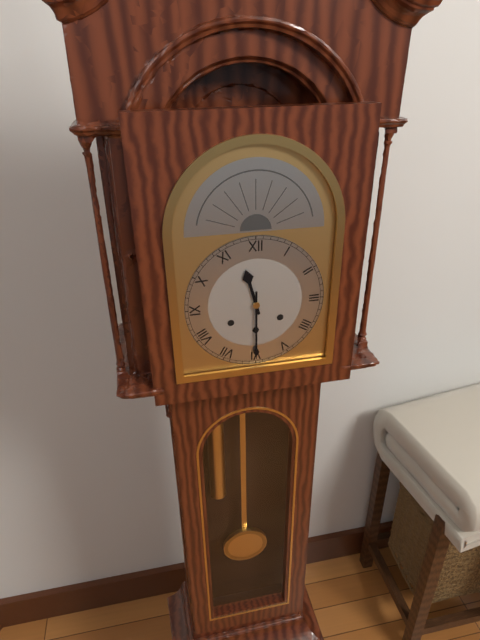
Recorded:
11.30
